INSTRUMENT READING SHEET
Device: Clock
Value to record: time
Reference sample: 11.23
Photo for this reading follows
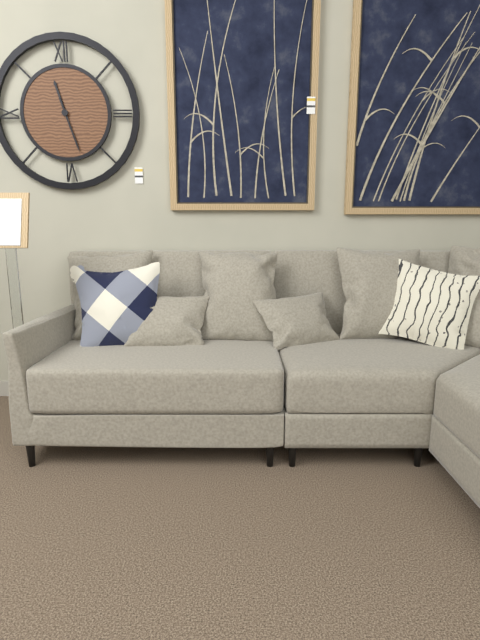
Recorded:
11.27
